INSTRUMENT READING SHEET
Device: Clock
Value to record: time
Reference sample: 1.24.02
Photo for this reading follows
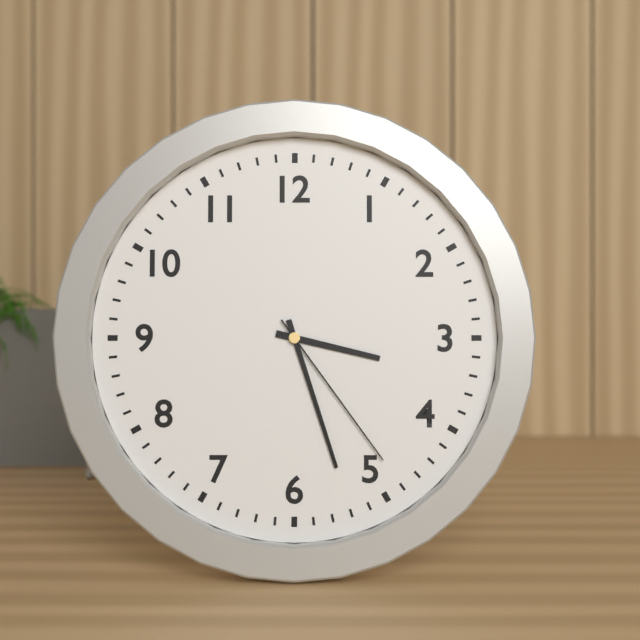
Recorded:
3.27.24
